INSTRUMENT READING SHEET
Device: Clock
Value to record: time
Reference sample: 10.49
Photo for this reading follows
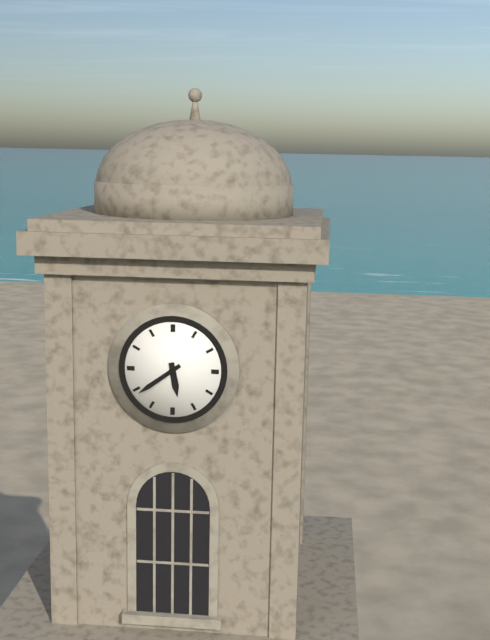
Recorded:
5.39
